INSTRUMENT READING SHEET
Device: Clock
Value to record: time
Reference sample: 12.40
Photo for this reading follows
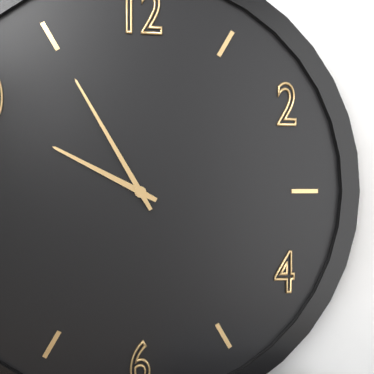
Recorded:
9.55
